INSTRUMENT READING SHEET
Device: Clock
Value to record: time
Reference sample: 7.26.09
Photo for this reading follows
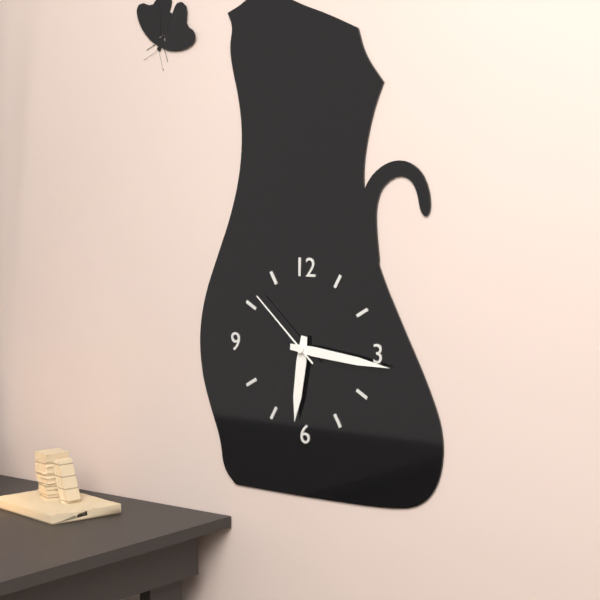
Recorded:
6.16.52
